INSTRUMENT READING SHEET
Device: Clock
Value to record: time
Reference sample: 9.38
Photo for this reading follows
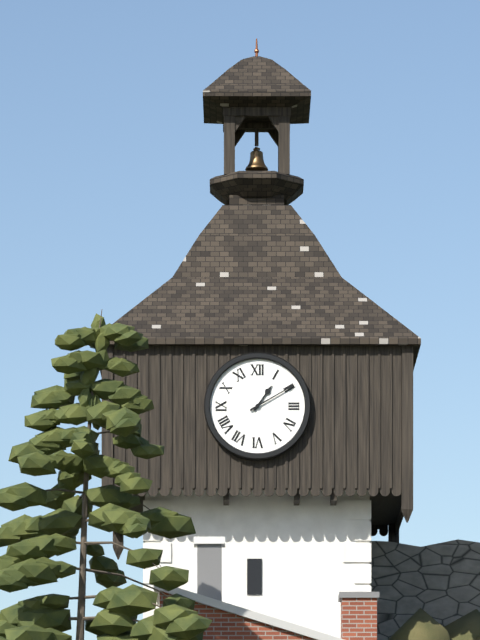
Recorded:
1.10
